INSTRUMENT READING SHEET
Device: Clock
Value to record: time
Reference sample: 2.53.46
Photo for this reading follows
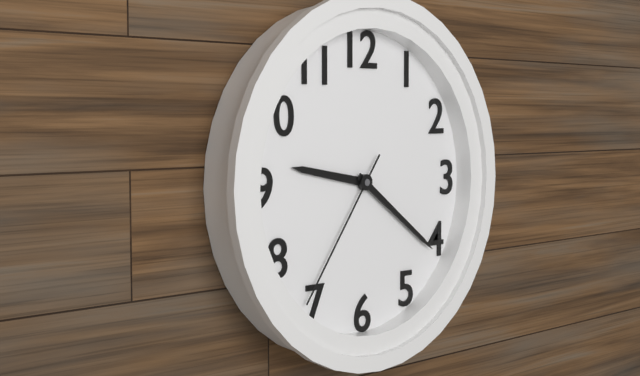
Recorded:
9.21.36
